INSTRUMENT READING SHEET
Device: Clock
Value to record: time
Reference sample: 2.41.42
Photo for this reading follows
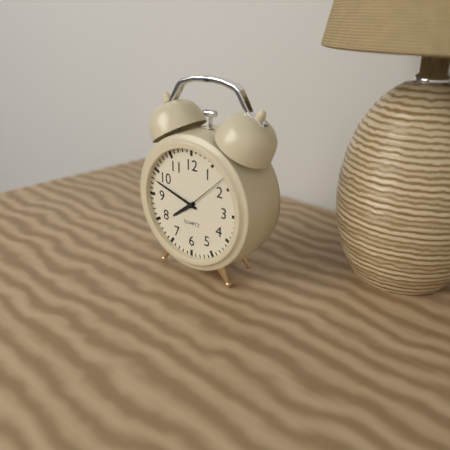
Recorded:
7.48.08
